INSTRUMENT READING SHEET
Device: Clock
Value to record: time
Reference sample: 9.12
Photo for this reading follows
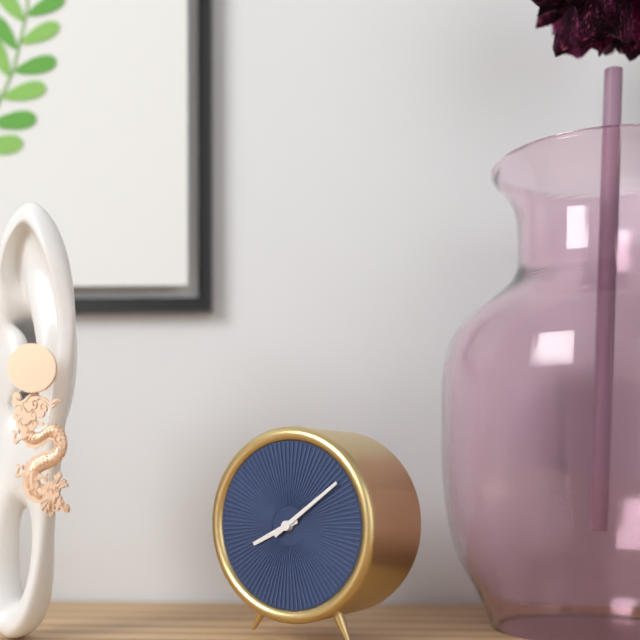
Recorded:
8.09
